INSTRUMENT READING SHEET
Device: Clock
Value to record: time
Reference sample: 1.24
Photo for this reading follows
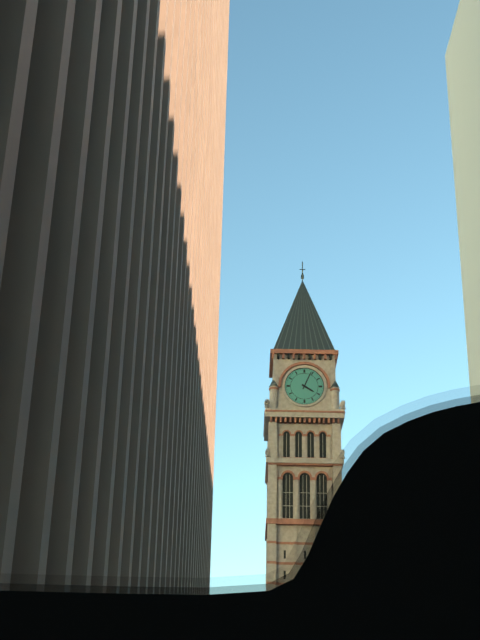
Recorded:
4.04
